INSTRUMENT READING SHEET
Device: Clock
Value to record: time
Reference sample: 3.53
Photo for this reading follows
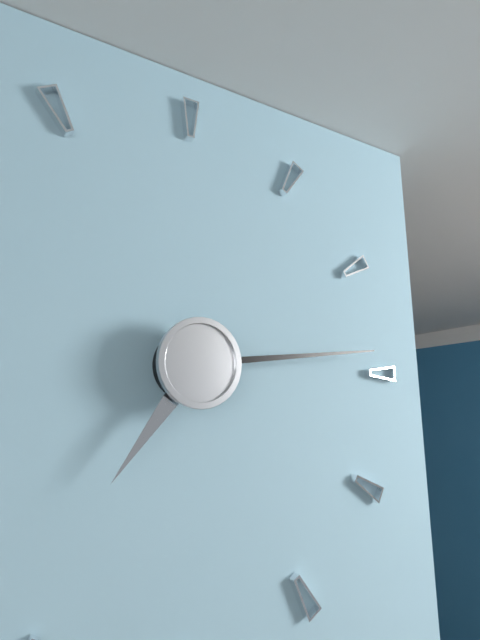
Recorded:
7.14
